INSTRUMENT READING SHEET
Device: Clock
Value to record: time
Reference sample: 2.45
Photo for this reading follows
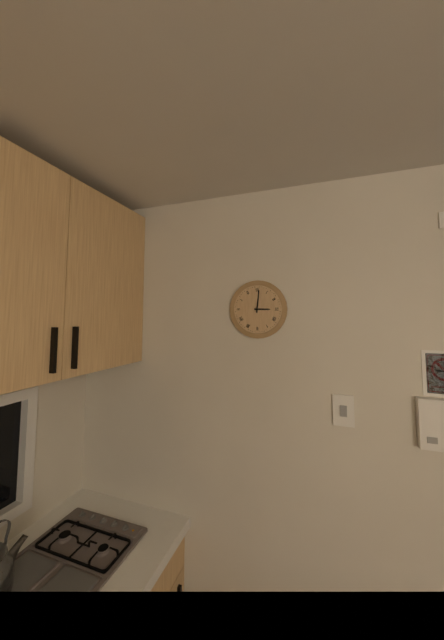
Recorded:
3.01
